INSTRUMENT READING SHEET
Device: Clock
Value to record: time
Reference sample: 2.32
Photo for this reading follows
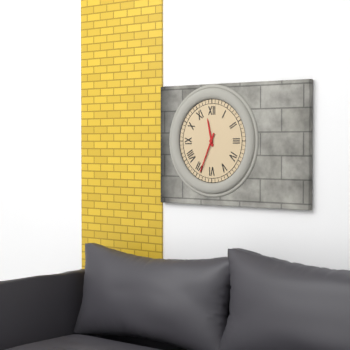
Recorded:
11.34
